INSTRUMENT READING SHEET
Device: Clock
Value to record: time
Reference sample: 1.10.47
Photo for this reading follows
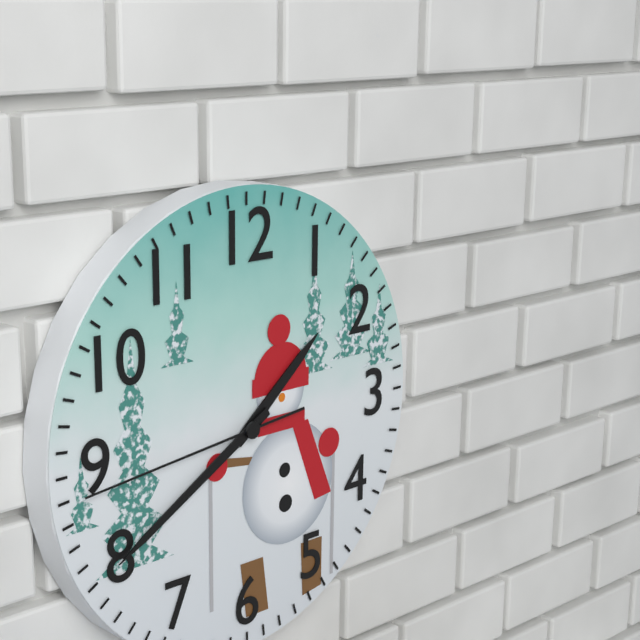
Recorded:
1.40.44
